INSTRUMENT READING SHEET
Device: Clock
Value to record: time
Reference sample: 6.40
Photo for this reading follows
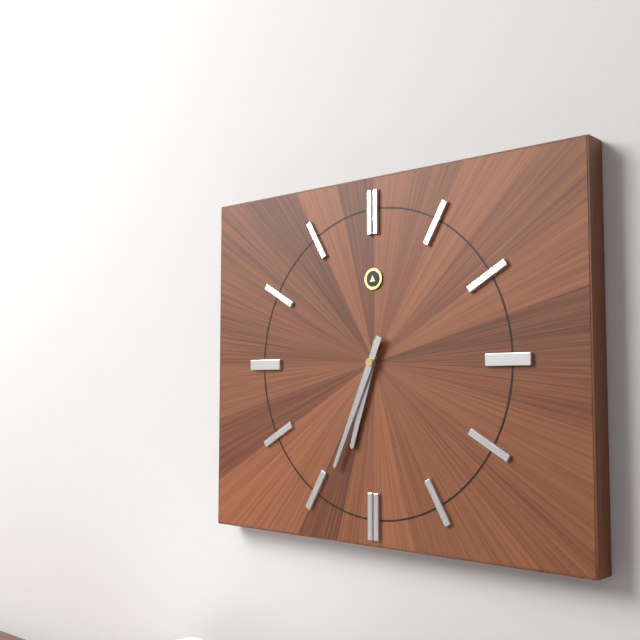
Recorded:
6.34
